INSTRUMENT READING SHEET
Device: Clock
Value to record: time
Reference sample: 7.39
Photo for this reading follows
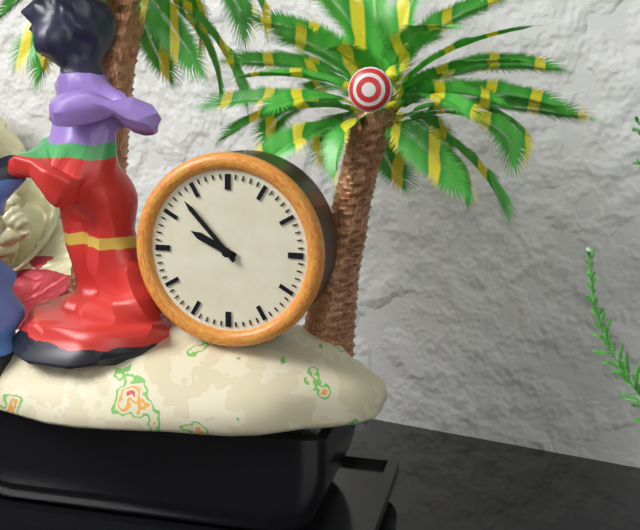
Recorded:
9.53
